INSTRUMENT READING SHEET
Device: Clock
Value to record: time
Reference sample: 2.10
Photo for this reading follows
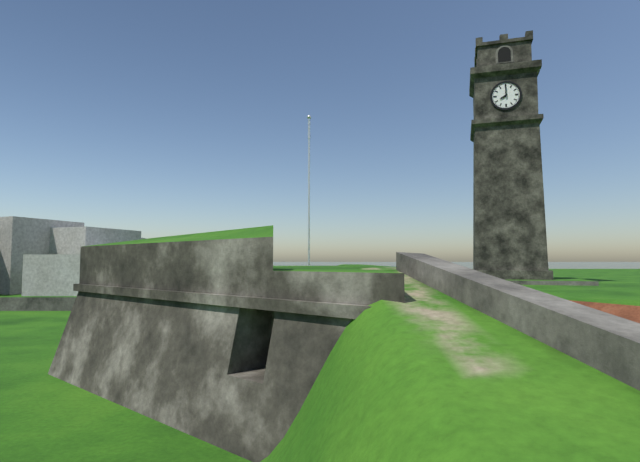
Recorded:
8.00
